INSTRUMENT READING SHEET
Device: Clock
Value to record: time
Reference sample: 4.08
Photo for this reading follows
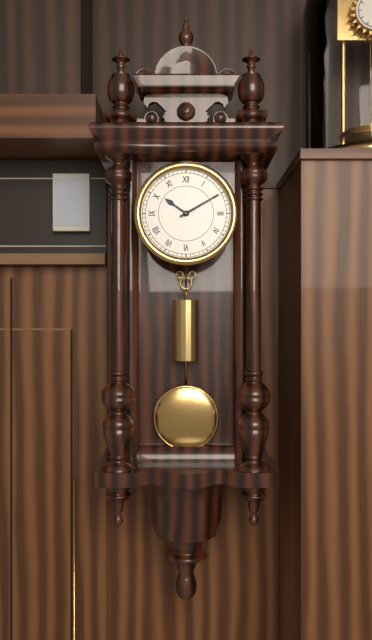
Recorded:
10.10
